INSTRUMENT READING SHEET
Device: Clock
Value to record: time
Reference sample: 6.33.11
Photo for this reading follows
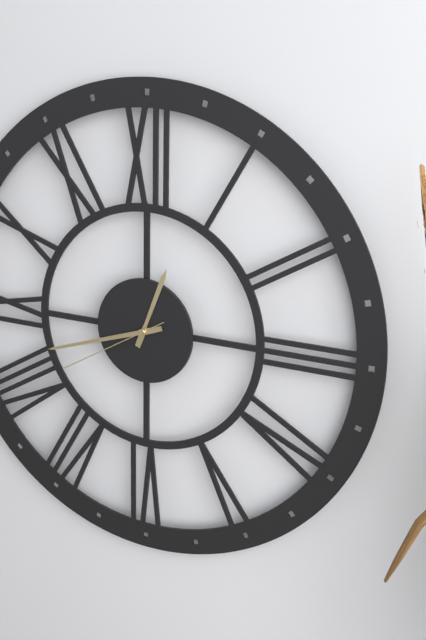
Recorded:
12.42.40
